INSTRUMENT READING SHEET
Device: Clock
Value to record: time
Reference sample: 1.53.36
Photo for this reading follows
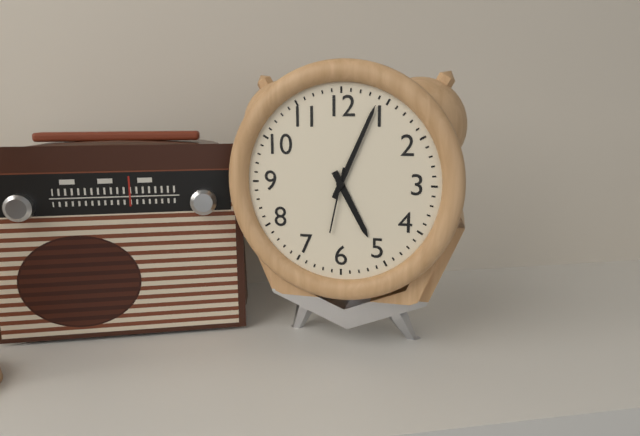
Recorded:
5.04.32
